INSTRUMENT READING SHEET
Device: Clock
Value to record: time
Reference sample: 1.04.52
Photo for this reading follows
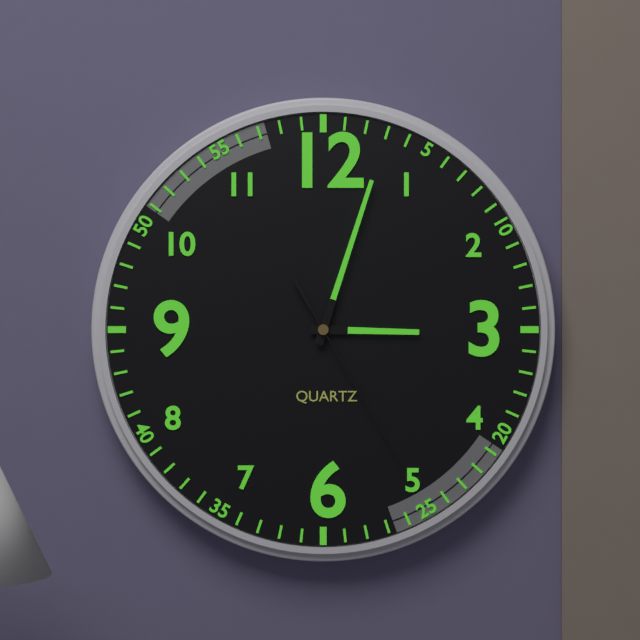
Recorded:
3.03.25
